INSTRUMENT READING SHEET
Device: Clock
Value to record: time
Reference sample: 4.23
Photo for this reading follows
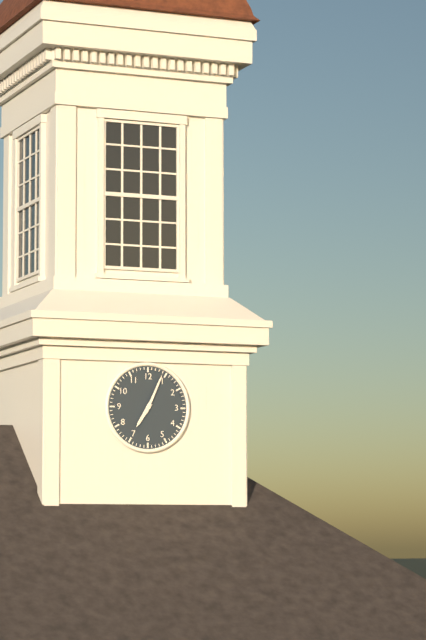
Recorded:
7.04
